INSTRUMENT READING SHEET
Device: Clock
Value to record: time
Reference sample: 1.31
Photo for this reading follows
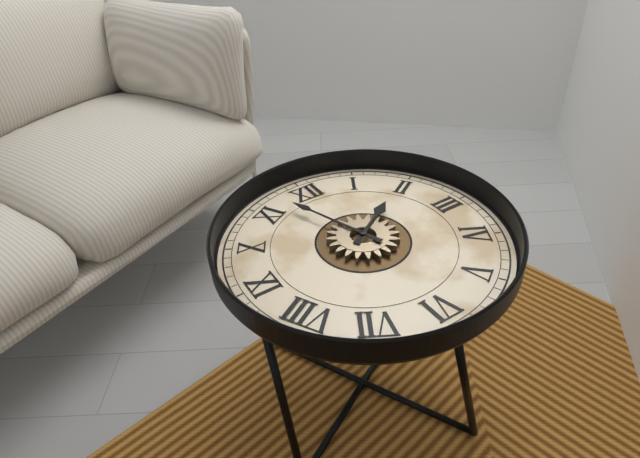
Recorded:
1.57
